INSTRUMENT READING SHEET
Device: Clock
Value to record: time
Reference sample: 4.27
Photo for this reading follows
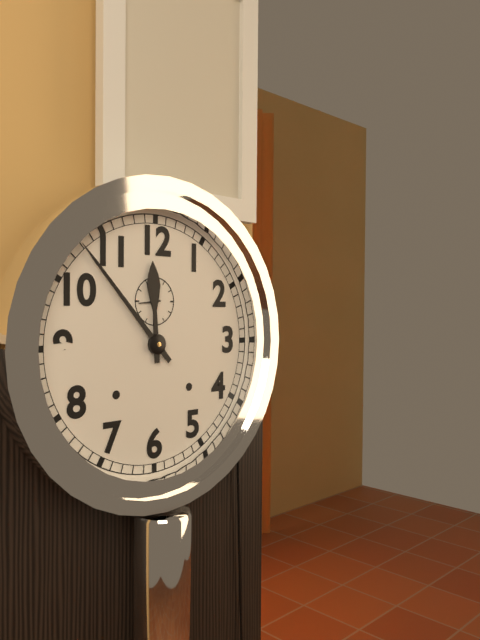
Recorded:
11.53
